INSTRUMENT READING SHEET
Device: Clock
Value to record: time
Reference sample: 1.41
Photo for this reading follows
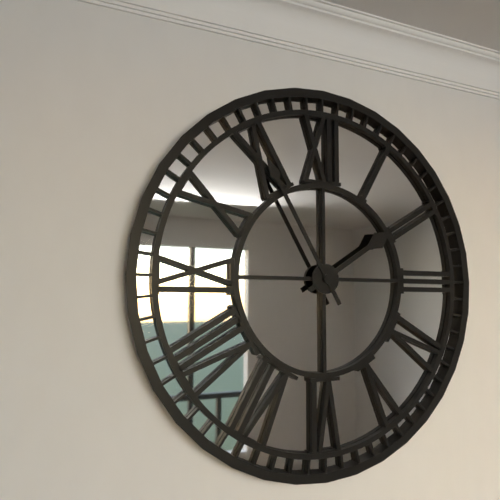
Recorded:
1.55
